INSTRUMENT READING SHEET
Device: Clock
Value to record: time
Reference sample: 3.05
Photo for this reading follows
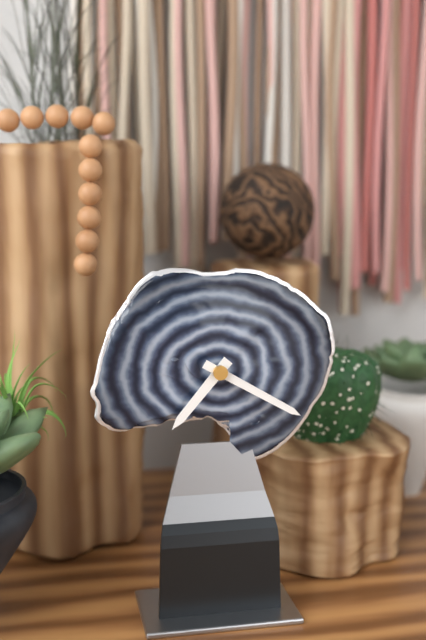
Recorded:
7.20
